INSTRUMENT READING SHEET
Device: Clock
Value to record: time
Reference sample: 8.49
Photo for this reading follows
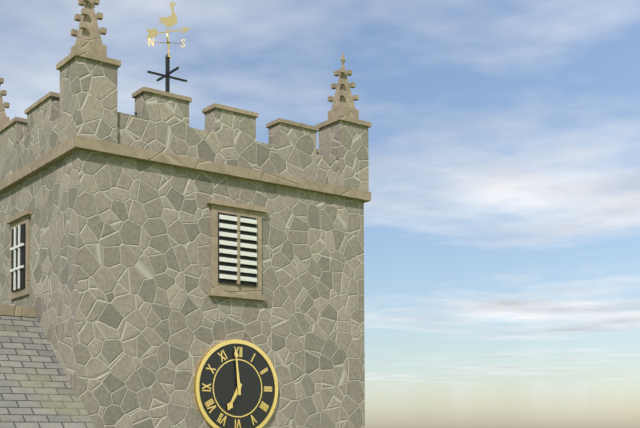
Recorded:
6.59
